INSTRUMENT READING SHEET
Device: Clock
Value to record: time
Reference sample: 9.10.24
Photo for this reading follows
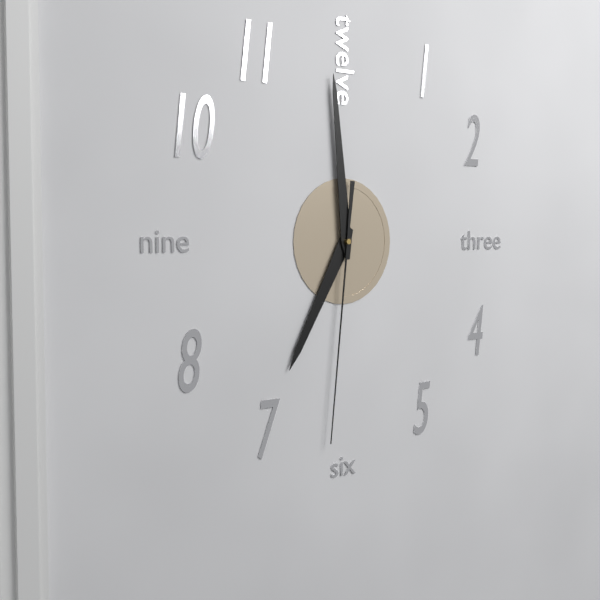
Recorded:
6.59.31
